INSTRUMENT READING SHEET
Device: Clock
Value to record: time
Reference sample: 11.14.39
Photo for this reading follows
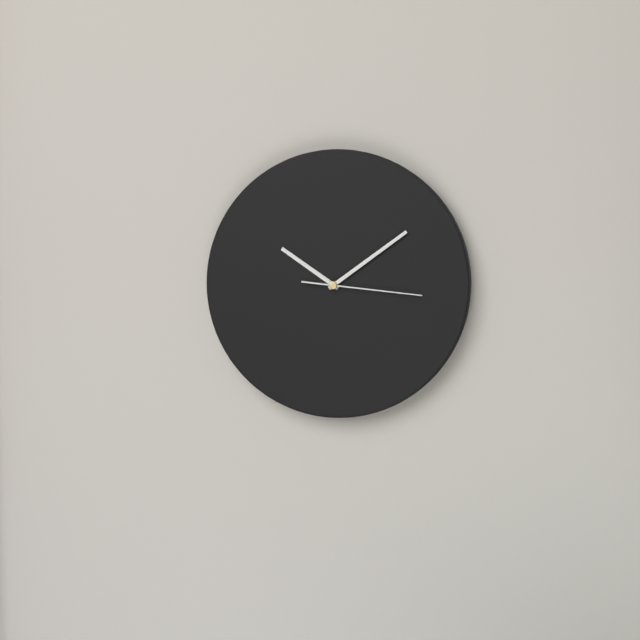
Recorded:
10.09.16
